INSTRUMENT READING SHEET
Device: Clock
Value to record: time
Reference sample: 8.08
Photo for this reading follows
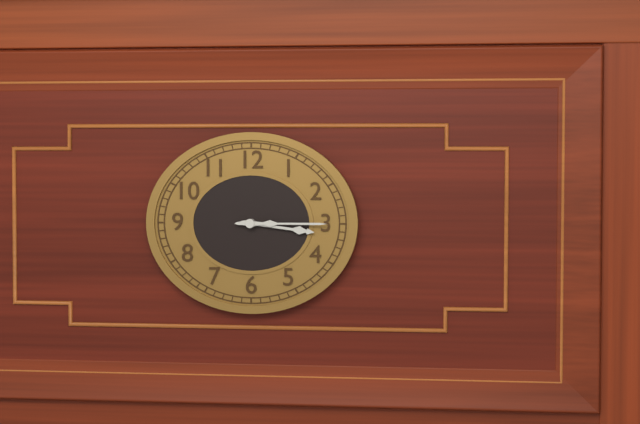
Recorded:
3.15
